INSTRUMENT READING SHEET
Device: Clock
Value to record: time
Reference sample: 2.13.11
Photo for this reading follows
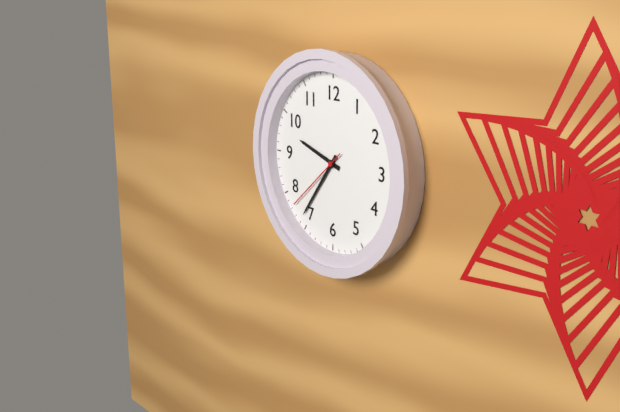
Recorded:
9.36.38
